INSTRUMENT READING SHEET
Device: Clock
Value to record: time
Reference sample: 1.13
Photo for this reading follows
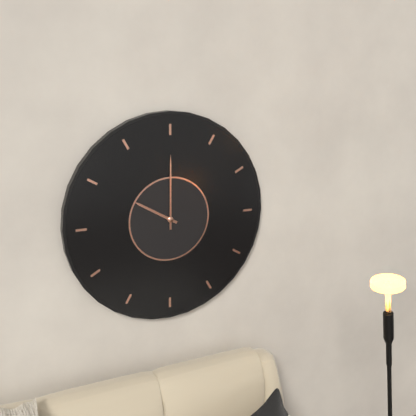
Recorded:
10.00
